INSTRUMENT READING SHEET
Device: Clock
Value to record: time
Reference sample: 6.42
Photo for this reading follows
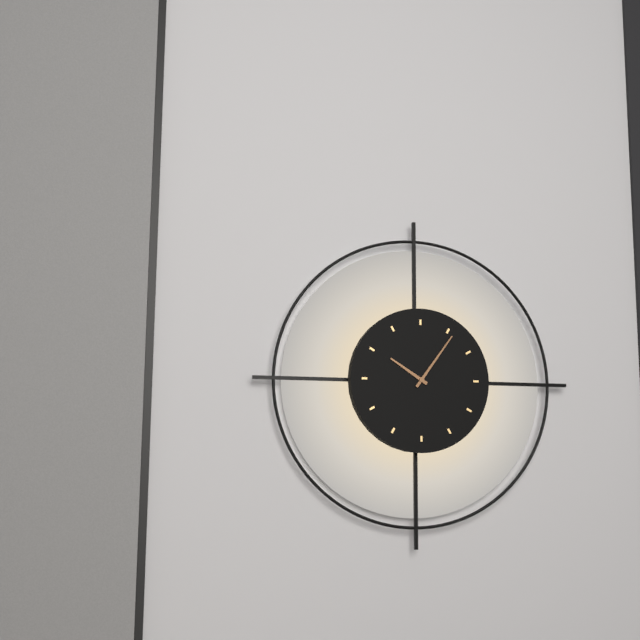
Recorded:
10.06
